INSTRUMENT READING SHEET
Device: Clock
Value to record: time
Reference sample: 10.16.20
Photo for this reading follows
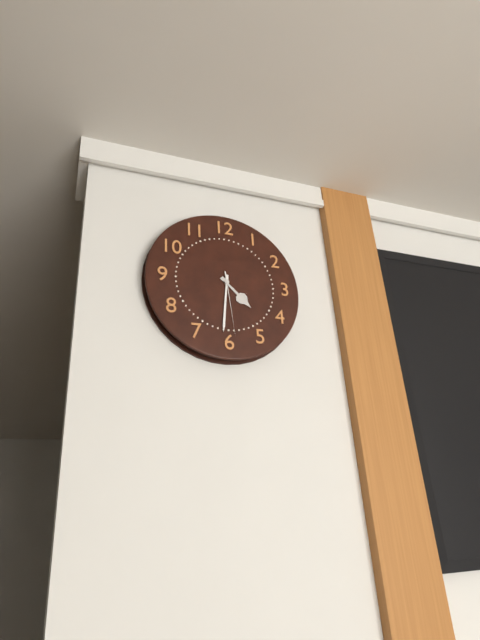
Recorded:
4.31.29
